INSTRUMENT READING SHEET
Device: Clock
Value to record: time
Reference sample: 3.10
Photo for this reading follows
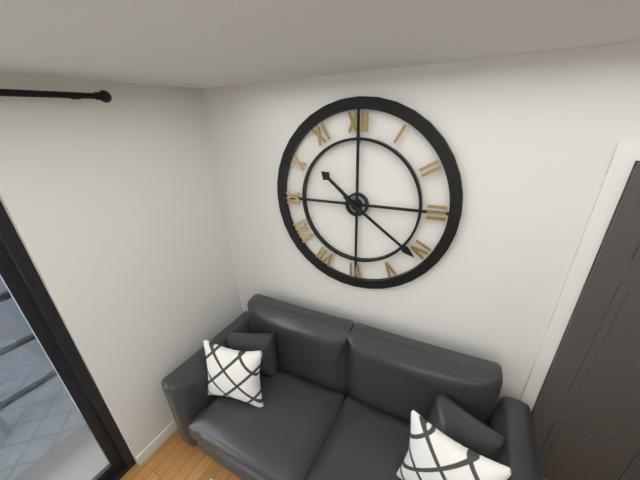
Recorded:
10.21
